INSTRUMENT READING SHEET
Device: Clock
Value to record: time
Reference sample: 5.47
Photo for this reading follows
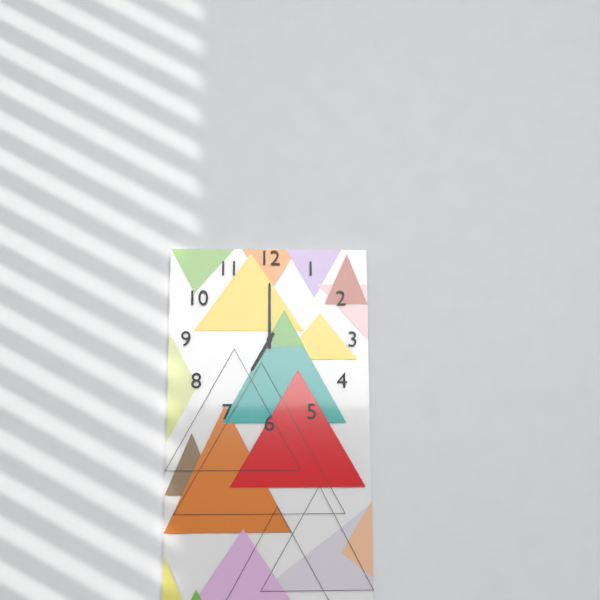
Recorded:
7.00
